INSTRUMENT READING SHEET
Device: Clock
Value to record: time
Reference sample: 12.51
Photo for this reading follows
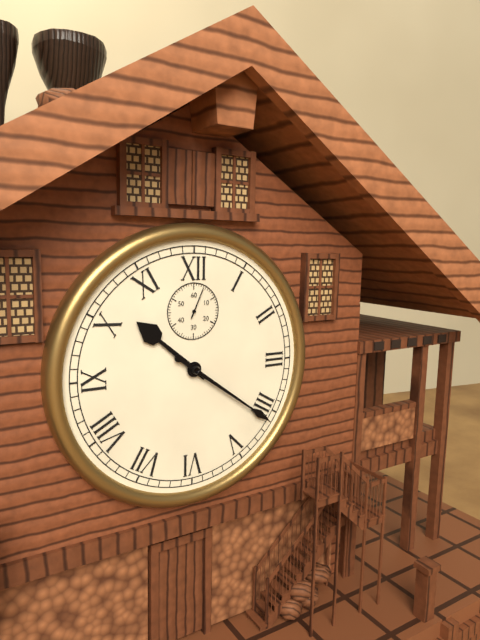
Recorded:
10.21
